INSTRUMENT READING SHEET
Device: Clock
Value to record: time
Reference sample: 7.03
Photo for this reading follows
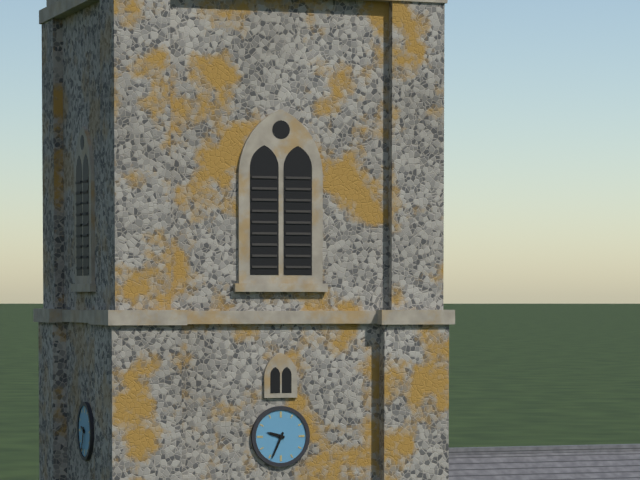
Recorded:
9.34
